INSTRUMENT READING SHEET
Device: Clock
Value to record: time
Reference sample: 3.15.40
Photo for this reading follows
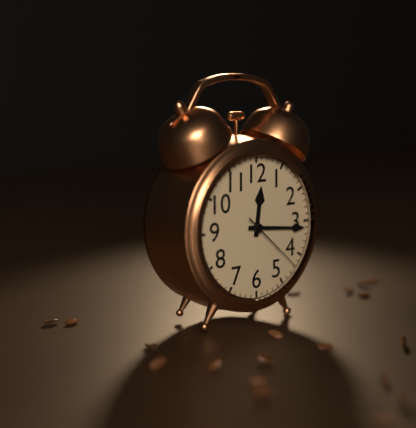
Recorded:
12.16.22
